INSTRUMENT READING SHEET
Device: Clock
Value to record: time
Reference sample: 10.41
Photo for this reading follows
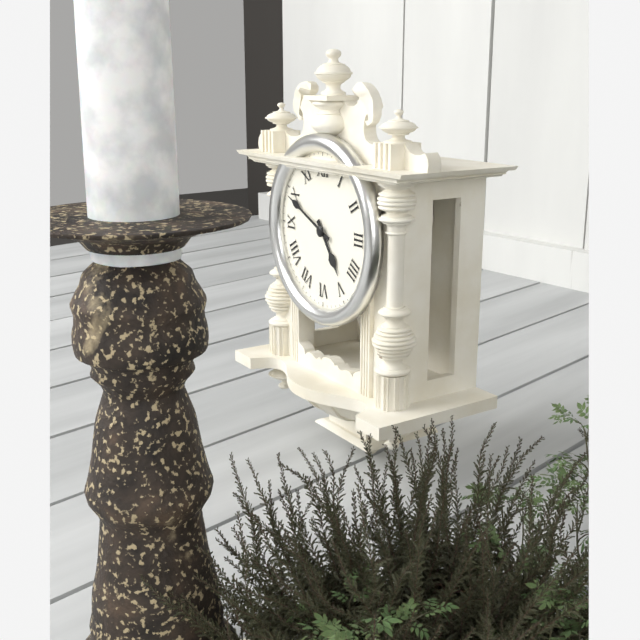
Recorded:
4.49
